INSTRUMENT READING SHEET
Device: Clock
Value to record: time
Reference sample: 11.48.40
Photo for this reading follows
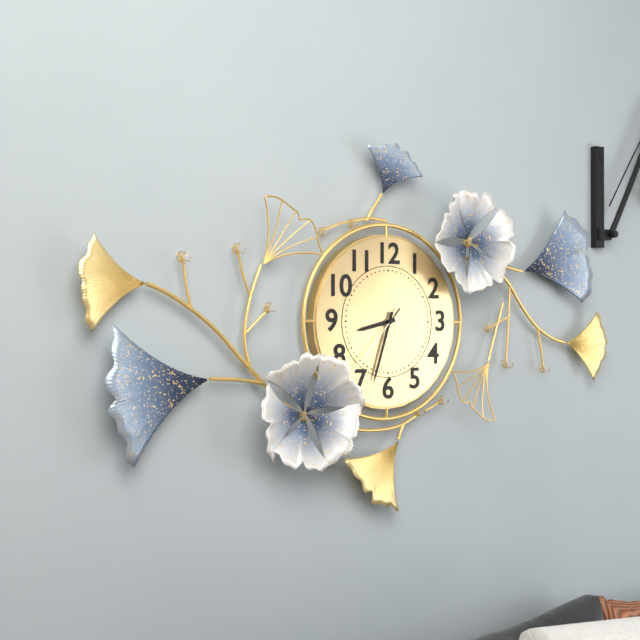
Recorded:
8.33.37
